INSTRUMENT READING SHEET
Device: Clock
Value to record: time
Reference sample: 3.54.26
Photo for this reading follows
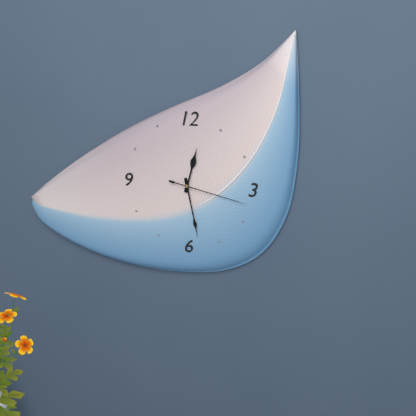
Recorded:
12.28.17
